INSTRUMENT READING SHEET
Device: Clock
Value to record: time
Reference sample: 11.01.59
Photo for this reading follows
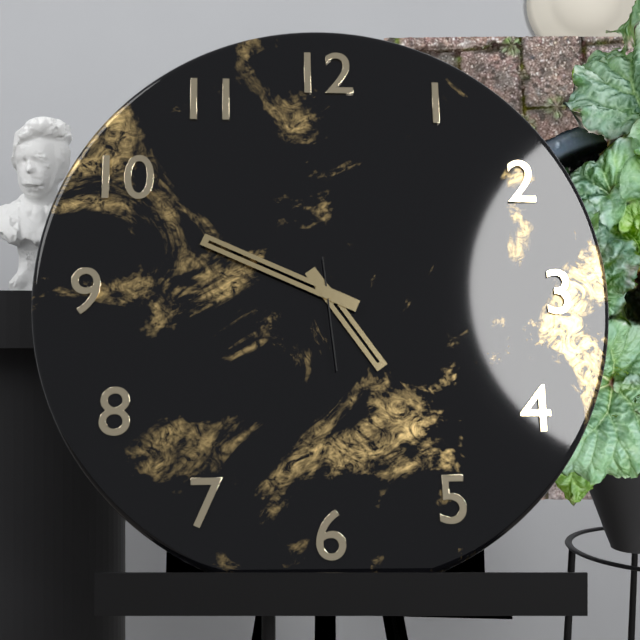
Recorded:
4.49.29
